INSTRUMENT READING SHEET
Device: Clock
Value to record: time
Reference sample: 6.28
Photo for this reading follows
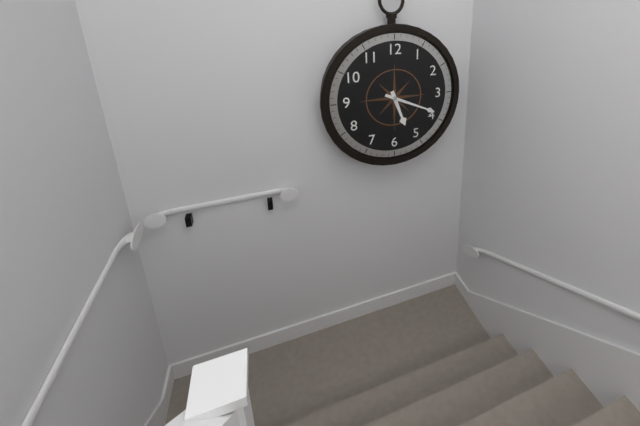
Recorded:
5.19
